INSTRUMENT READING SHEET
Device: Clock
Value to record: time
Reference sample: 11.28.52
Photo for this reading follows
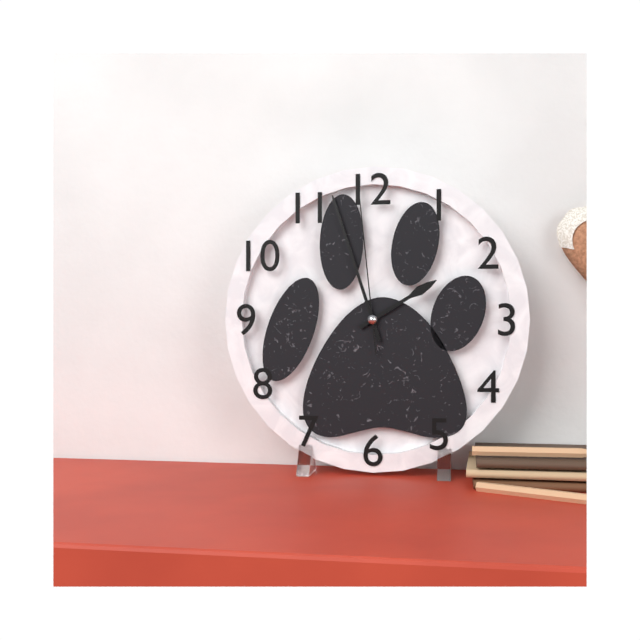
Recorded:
1.57.59
